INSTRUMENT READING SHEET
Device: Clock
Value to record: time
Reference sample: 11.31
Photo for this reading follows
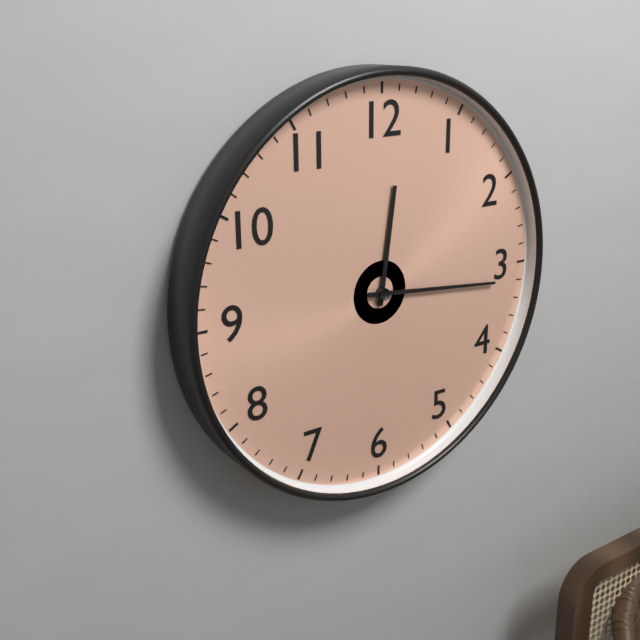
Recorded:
12.16
